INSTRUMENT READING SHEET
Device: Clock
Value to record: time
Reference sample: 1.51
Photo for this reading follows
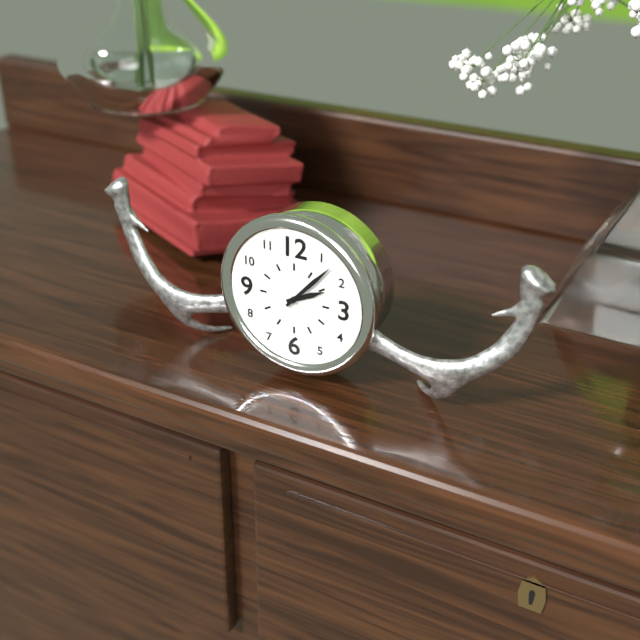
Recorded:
2.07
